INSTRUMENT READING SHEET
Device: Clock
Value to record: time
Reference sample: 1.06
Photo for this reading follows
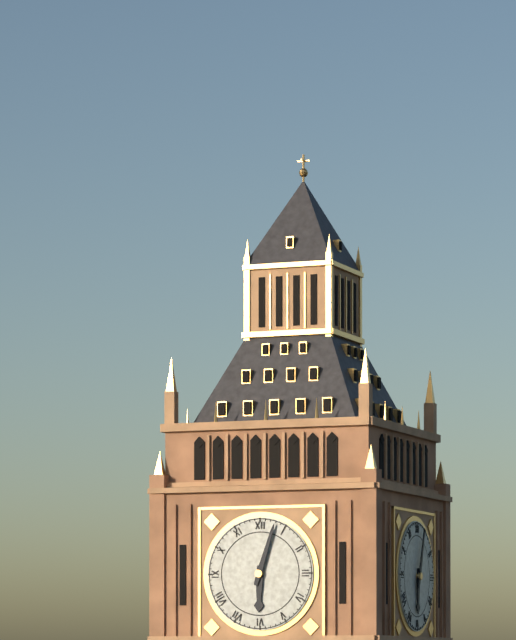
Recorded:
6.03
